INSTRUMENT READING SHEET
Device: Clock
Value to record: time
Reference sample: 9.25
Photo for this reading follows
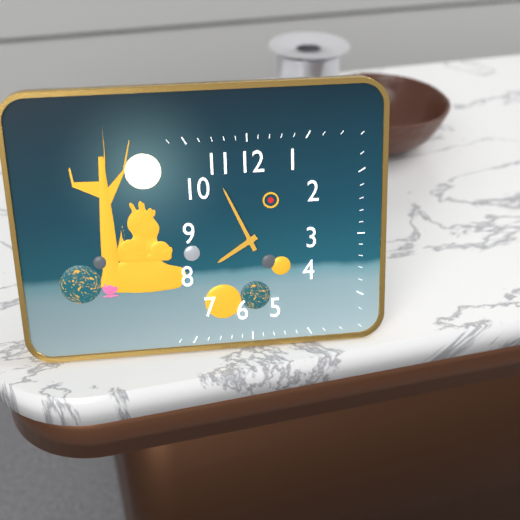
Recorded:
7.56
